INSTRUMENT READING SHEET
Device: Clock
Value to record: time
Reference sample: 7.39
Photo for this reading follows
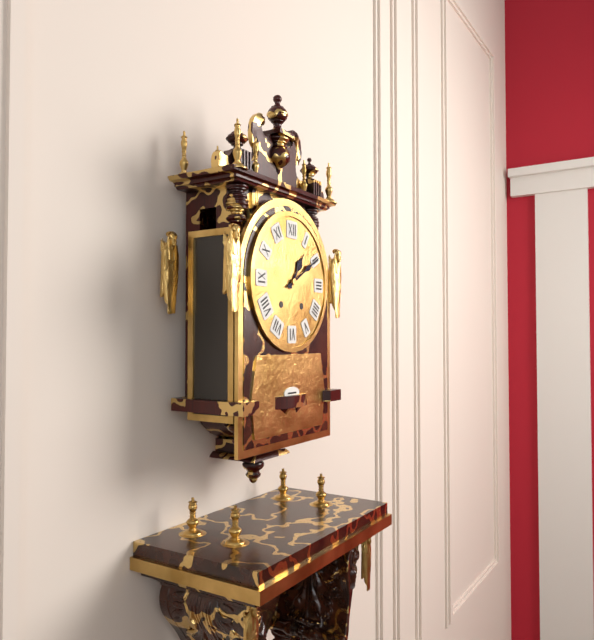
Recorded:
1.10
